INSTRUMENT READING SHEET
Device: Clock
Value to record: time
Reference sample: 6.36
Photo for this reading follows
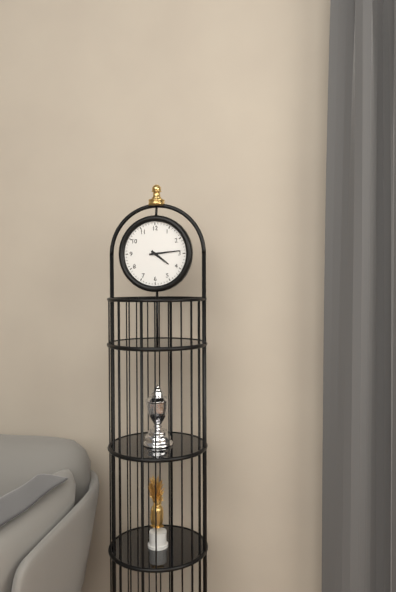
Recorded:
4.14
